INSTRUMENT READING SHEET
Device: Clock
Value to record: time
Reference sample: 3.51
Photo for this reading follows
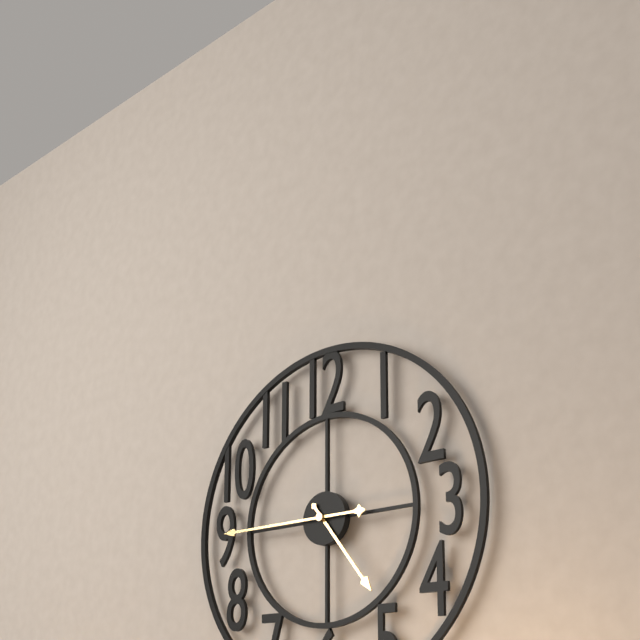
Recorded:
4.45
